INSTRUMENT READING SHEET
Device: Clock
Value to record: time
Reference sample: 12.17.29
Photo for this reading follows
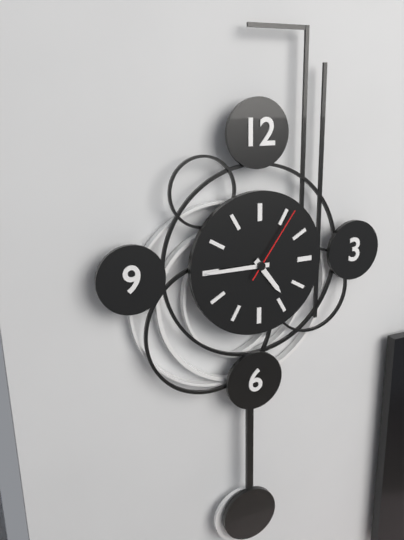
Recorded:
4.45.06
